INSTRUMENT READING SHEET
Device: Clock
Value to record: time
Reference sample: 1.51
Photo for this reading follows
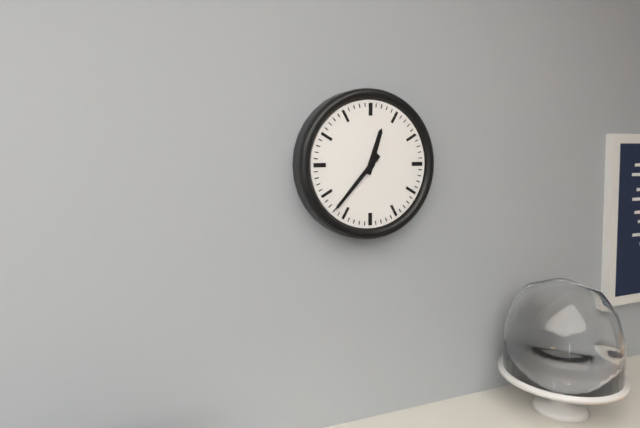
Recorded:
12.37
